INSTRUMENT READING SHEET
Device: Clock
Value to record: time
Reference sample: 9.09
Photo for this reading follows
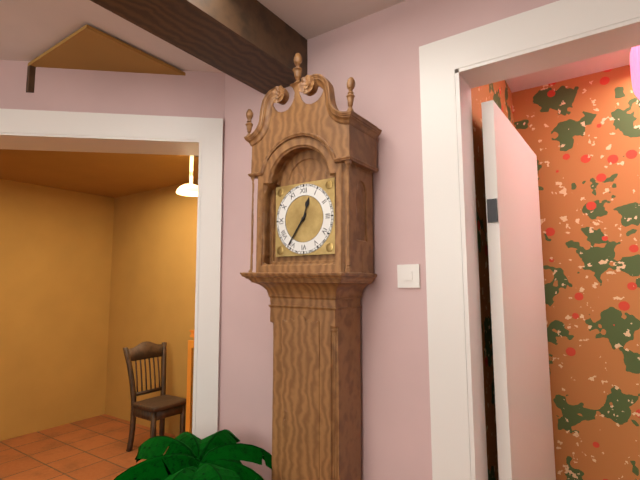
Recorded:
12.36
